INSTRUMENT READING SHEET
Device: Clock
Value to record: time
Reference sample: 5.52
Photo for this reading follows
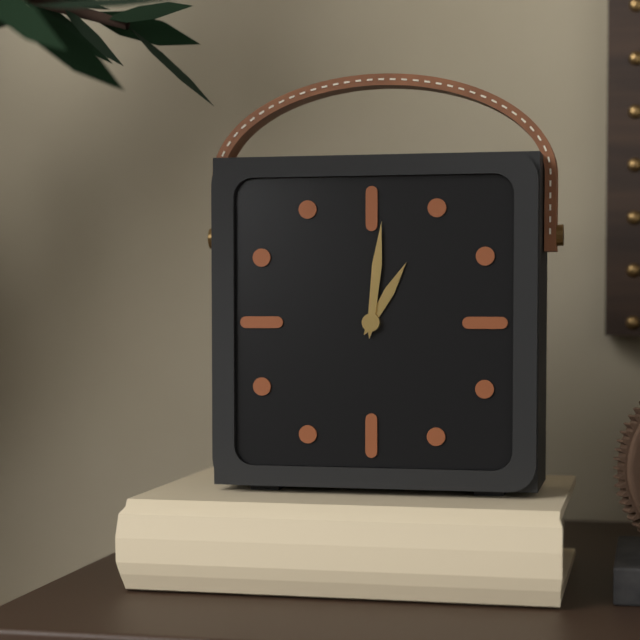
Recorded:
1.01
